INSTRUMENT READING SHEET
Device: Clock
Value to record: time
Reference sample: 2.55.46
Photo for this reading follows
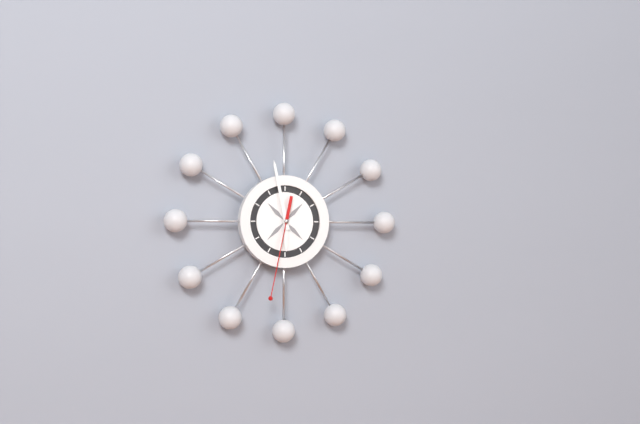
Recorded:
5.58.32
